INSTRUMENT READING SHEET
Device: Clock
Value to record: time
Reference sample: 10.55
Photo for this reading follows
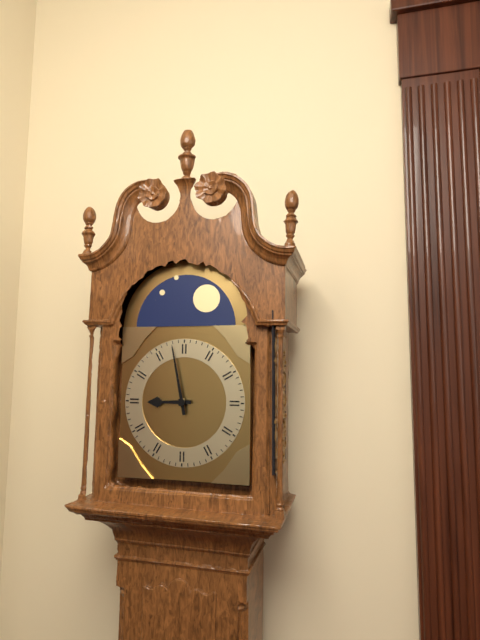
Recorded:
8.58
